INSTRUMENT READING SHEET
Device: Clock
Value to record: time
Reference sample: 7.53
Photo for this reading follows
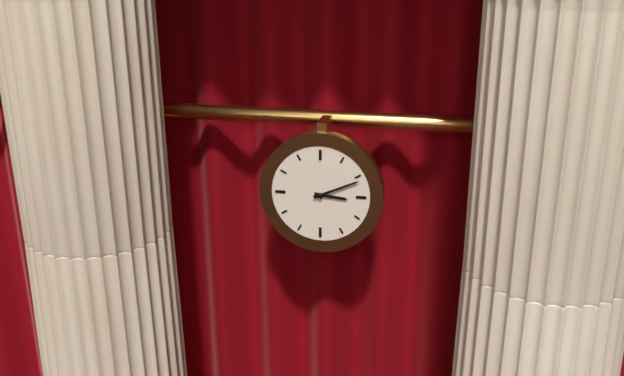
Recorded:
3.11
